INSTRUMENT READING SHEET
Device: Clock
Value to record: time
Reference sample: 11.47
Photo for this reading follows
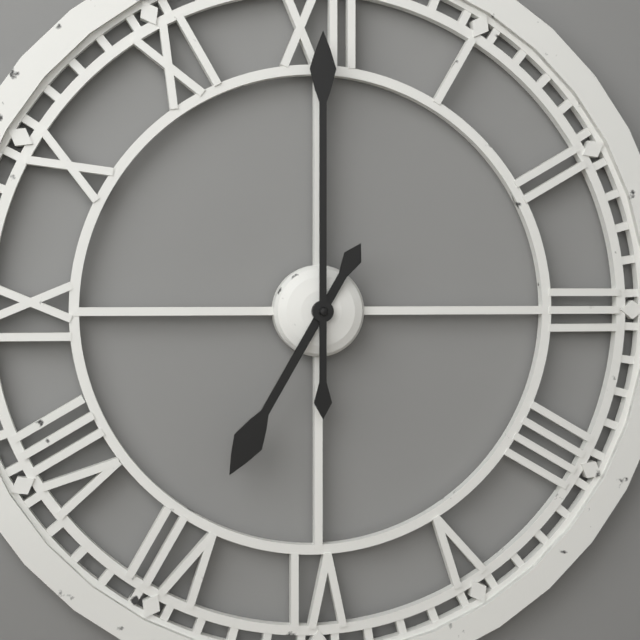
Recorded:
7.00
